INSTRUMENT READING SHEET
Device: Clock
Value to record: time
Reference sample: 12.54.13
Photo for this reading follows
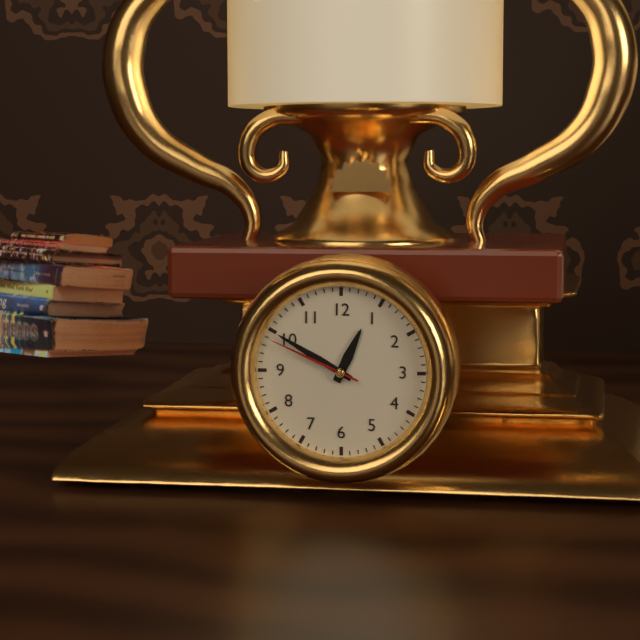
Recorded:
12.50.49
